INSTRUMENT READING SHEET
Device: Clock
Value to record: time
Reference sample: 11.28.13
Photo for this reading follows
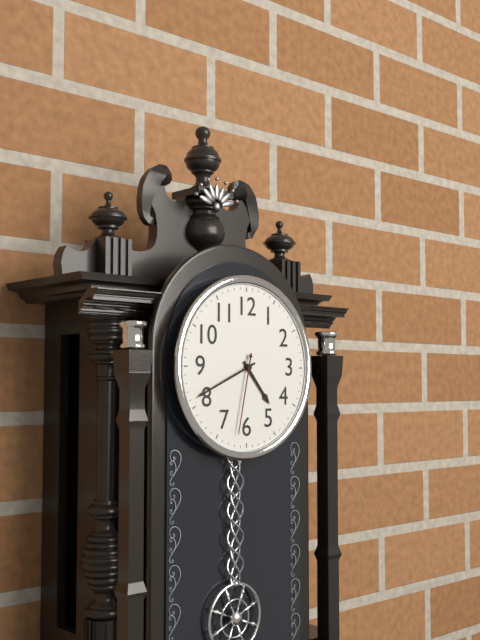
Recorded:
4.41.32
